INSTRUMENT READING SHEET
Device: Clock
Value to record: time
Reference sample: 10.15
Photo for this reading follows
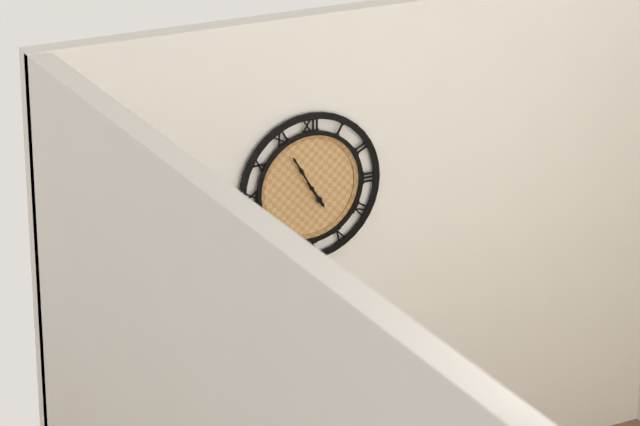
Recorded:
4.55
